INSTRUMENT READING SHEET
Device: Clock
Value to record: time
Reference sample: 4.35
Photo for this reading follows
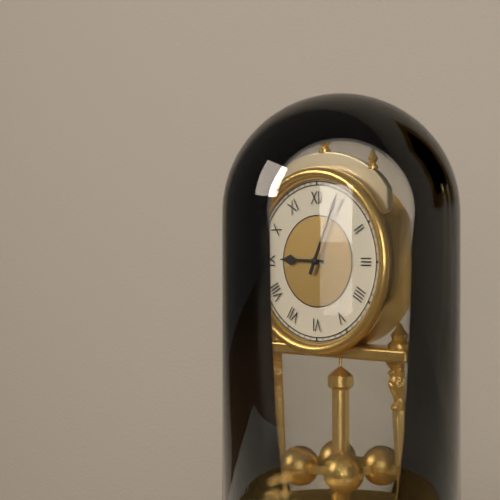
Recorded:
9.04
